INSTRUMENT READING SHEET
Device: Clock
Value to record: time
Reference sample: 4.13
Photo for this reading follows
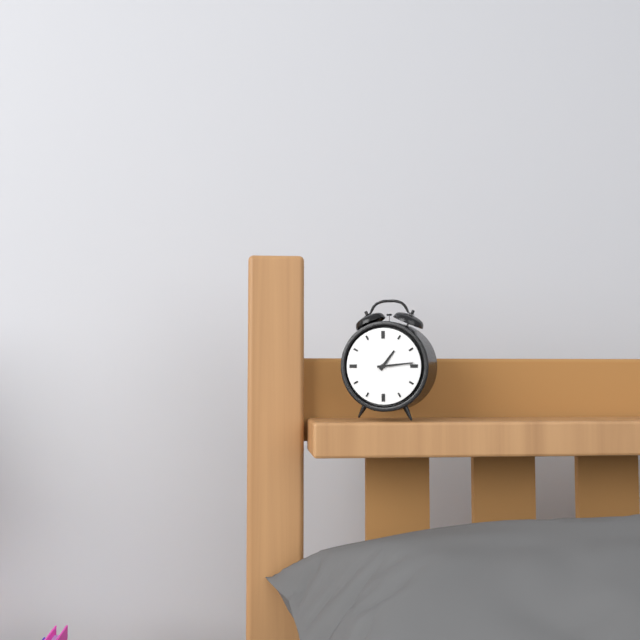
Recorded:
1.14
